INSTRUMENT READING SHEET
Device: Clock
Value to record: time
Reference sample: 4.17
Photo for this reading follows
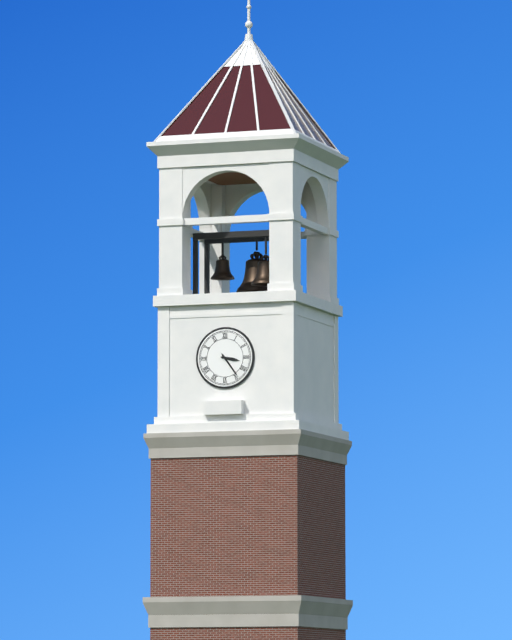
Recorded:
3.24
